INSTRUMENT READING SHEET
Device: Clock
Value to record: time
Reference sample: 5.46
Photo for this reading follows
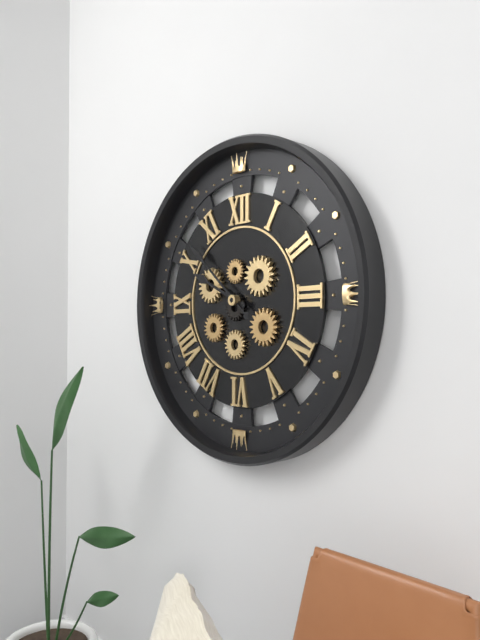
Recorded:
9.52
